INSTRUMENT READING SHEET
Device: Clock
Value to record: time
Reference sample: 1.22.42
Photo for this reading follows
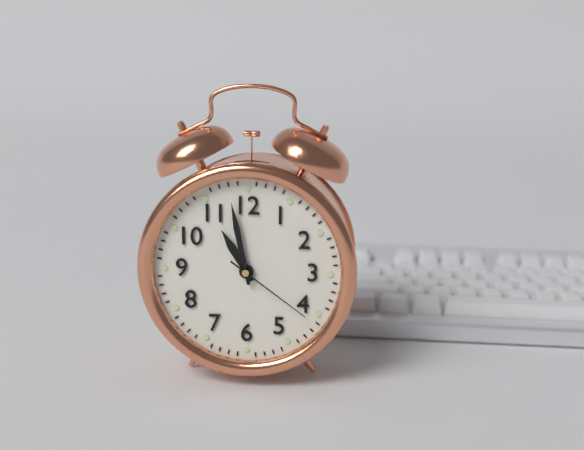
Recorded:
10.58.21
